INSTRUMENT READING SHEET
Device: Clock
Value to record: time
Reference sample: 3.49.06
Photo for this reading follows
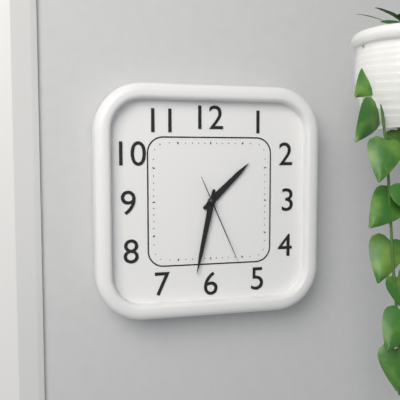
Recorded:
1.32.26
